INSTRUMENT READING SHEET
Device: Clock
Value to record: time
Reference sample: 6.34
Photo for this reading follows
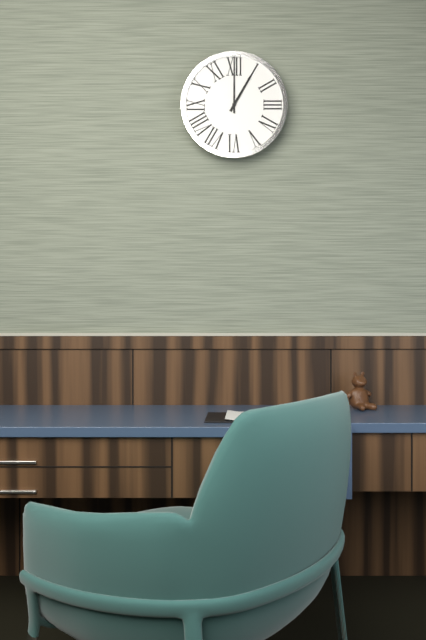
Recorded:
1.00
